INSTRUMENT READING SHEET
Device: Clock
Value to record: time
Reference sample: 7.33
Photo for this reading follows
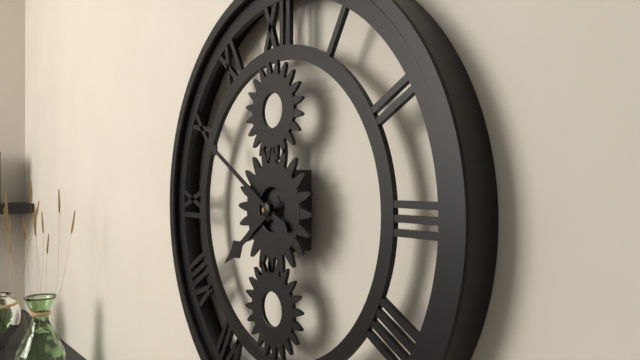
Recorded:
7.50
